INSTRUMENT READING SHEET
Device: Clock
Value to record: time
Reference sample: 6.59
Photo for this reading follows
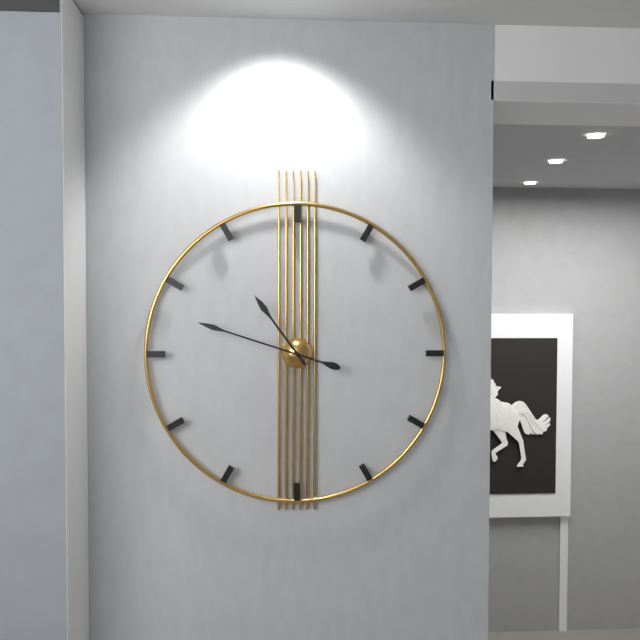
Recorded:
10.48
